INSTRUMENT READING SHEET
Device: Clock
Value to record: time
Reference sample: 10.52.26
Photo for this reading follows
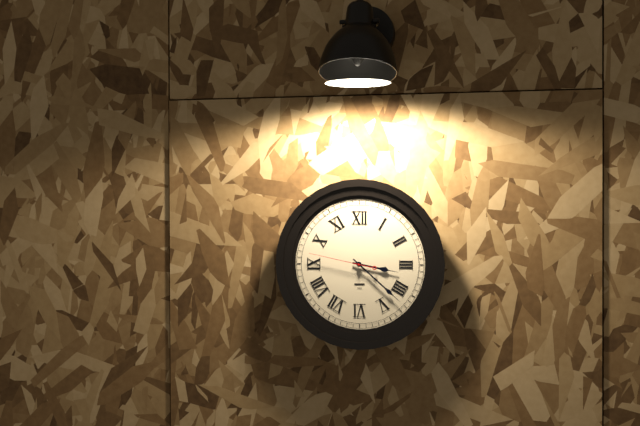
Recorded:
3.22.47
